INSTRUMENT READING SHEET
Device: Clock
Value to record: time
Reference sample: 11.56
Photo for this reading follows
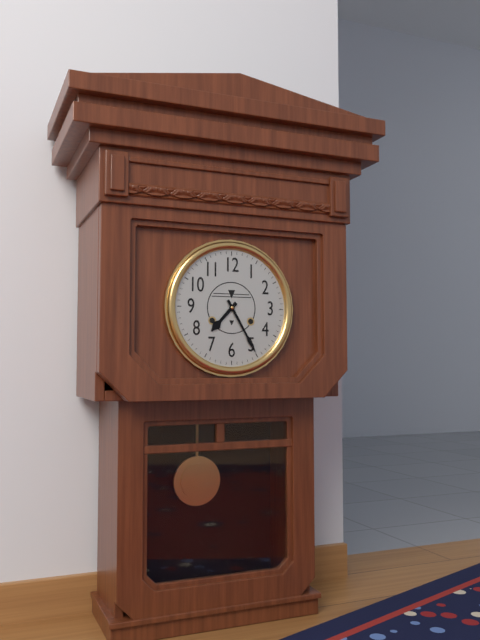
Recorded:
7.25
